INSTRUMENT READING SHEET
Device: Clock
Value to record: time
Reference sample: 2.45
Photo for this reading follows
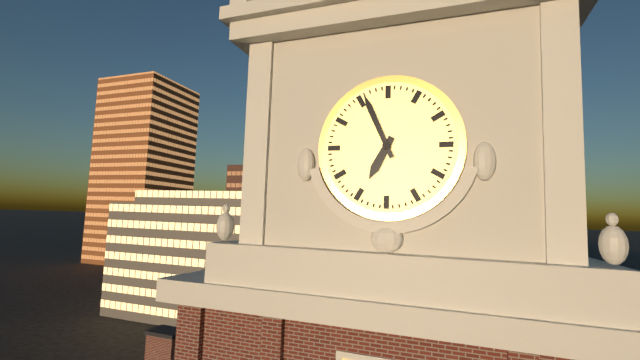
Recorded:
6.56
